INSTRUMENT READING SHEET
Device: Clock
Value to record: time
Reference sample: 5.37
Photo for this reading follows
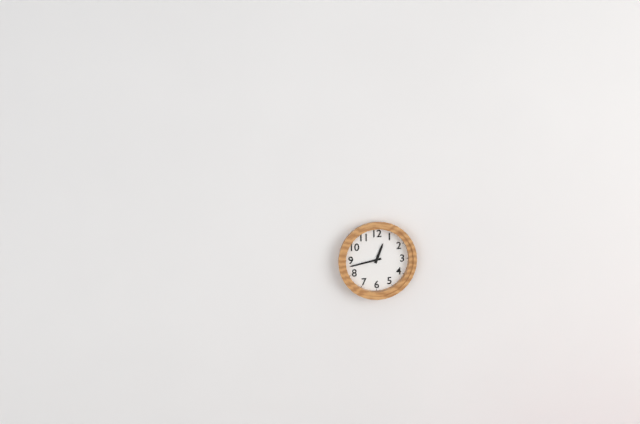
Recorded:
12.43
